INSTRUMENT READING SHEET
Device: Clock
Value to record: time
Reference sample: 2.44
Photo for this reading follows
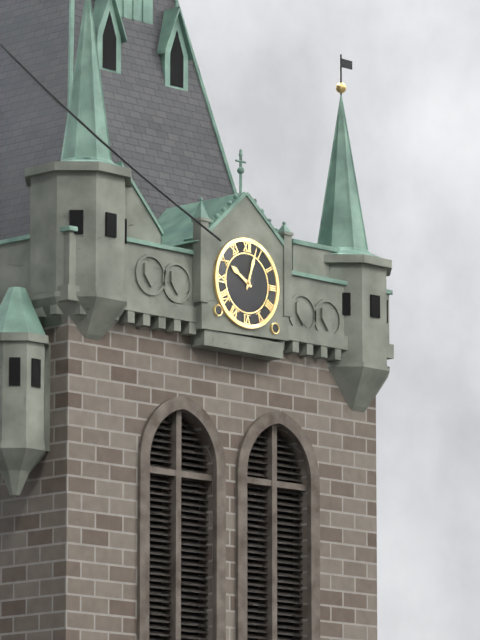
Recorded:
10.03
